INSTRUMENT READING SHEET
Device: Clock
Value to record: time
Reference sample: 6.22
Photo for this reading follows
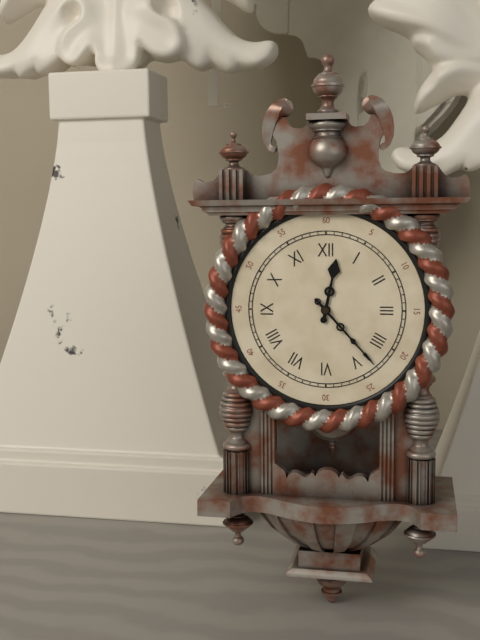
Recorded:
12.23
